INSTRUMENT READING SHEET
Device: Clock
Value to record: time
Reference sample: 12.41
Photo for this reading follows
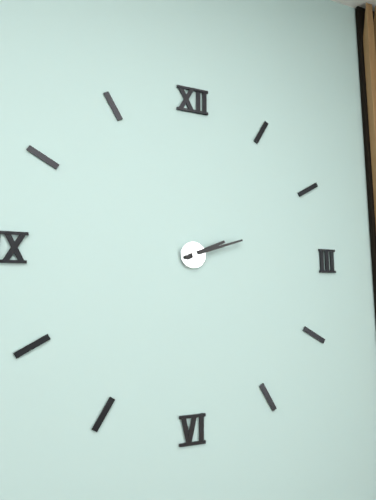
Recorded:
2.12
